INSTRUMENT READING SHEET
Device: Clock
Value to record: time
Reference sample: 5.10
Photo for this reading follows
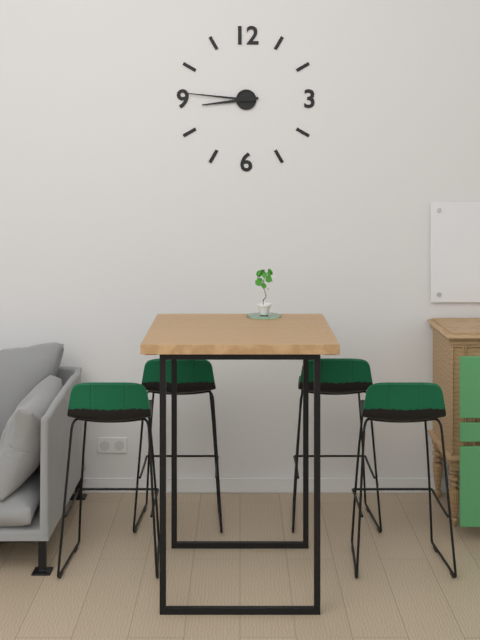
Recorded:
8.46
